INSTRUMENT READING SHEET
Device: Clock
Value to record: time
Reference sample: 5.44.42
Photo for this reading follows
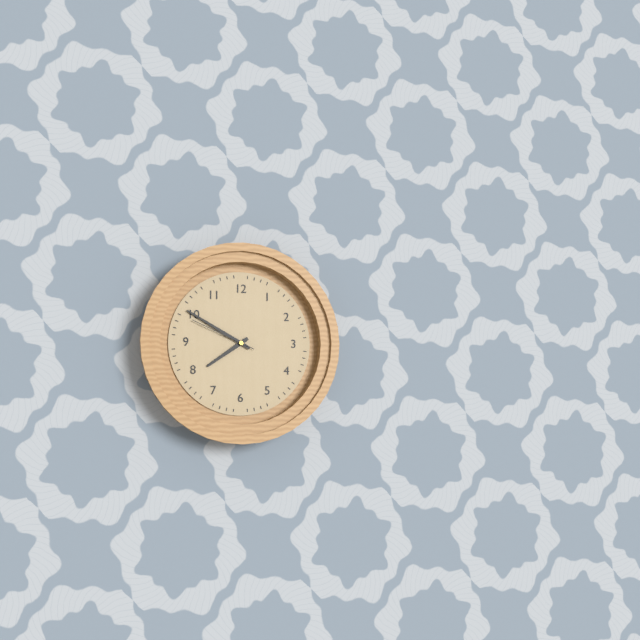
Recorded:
7.50.49
